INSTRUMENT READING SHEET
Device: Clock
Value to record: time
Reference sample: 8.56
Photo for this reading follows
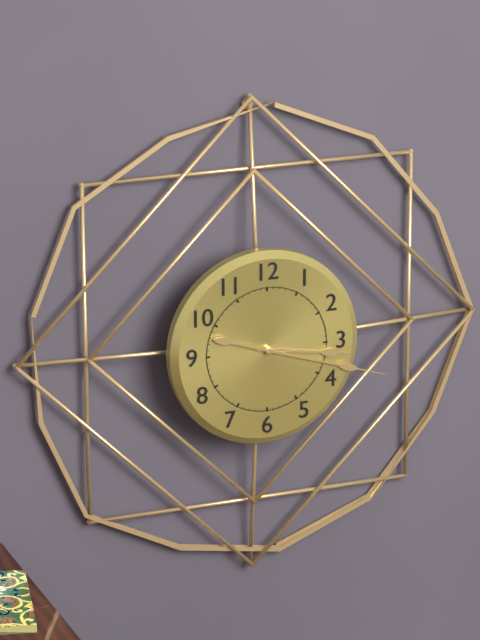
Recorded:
3.18
